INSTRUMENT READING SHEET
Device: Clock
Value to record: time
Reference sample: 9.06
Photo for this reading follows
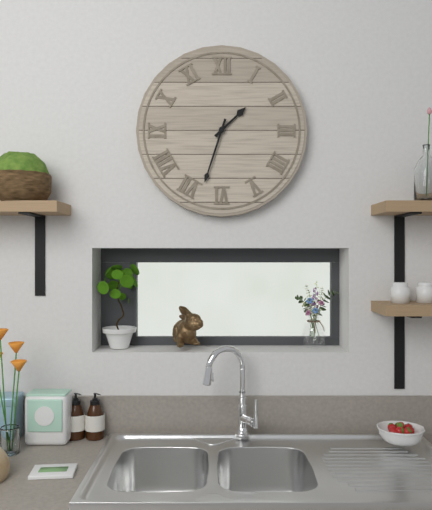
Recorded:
1.33
